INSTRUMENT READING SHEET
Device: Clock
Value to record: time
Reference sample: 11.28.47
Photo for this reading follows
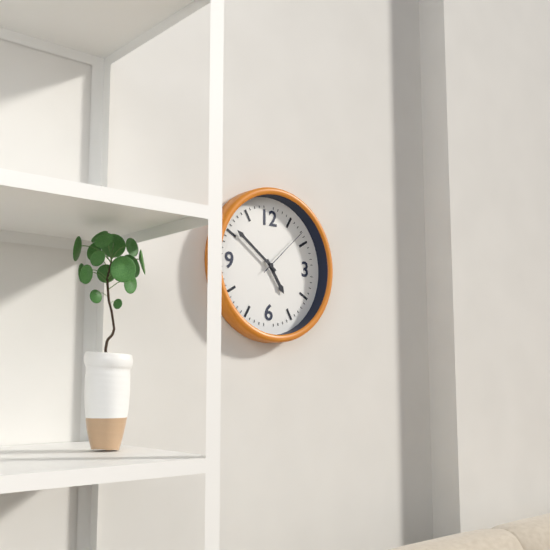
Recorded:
4.51.08
